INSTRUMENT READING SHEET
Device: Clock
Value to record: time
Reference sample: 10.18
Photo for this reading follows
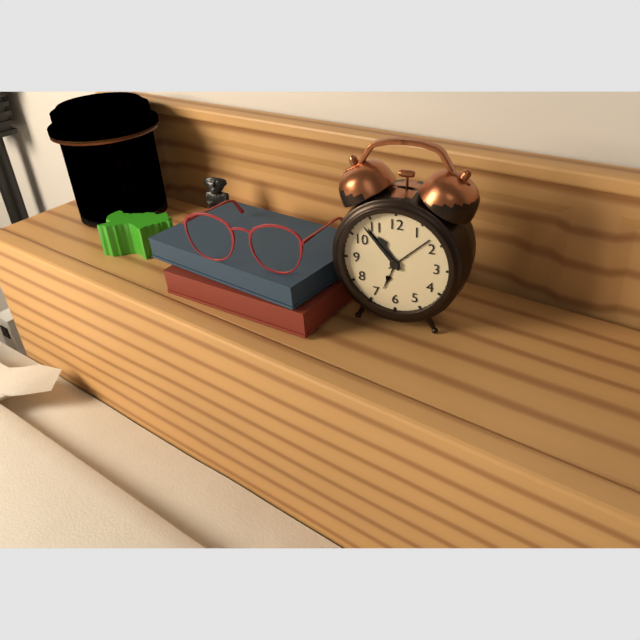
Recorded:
10.53
